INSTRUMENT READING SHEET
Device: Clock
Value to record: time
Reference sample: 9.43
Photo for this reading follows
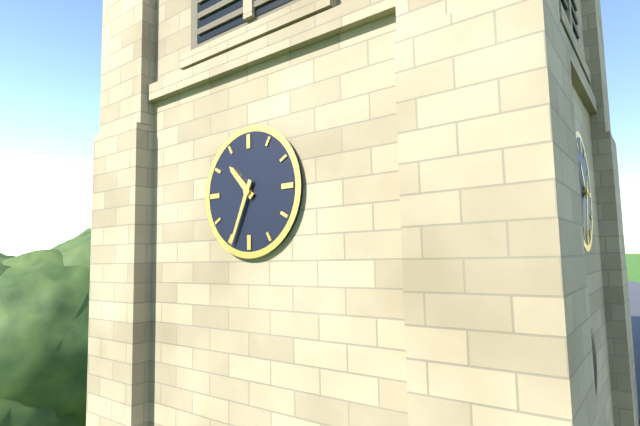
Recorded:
10.34
